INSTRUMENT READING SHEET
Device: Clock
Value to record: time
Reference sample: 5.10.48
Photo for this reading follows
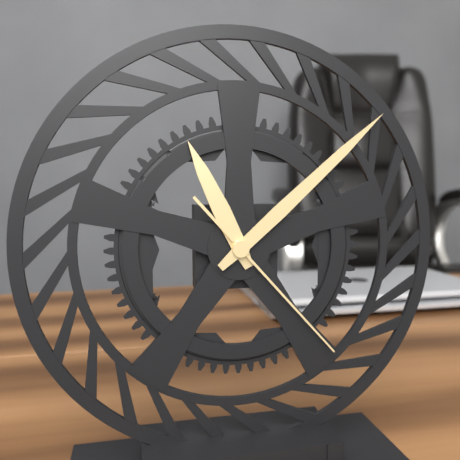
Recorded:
11.08.23
